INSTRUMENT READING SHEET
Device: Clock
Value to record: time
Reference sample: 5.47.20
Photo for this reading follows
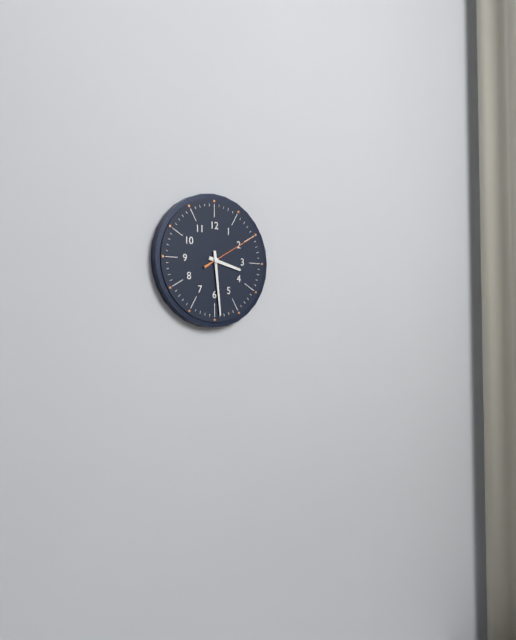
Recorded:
3.29.10
